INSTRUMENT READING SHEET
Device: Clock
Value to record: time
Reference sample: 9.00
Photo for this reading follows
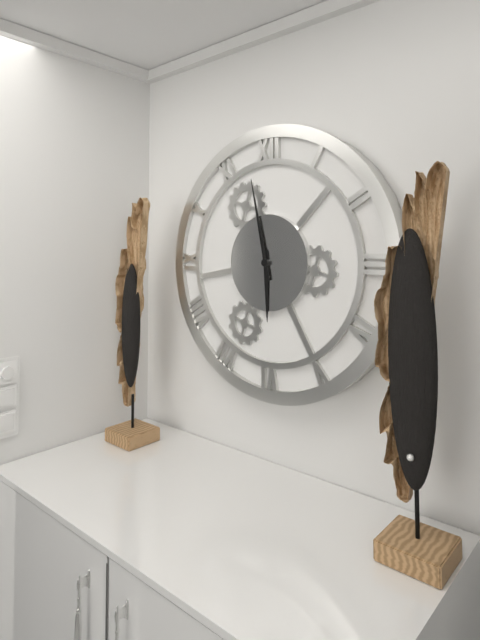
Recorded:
5.58
